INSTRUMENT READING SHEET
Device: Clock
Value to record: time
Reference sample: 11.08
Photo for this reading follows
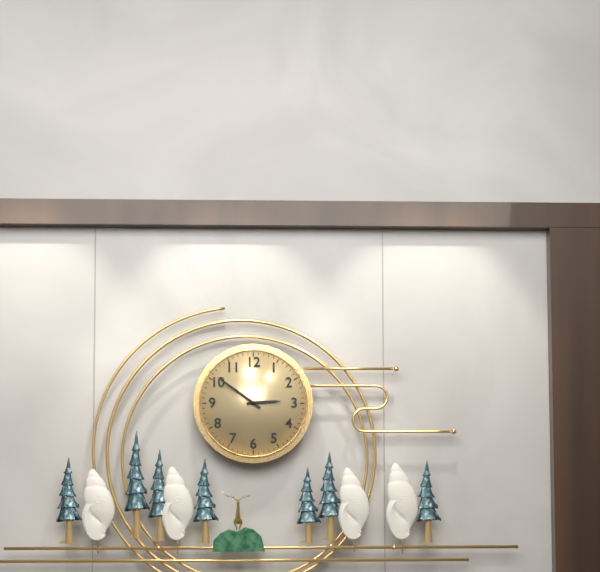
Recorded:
2.51
